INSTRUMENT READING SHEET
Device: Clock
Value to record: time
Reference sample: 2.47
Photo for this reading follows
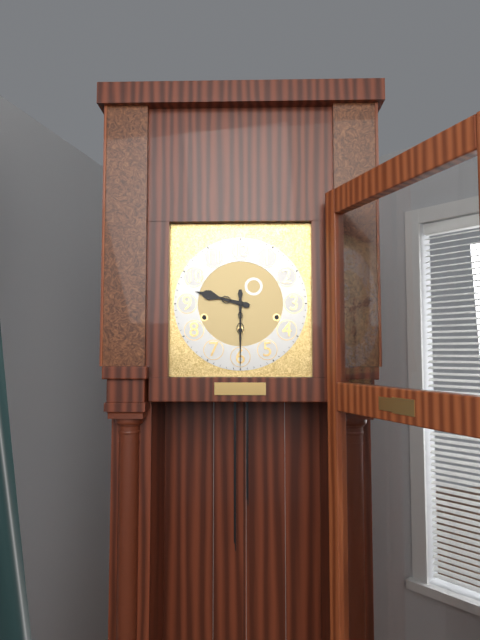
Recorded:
9.30
